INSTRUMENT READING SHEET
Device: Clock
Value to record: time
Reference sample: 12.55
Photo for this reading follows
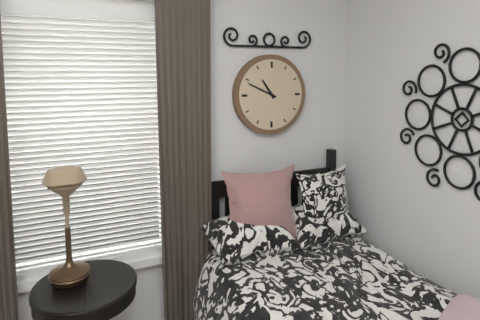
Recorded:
10.49
